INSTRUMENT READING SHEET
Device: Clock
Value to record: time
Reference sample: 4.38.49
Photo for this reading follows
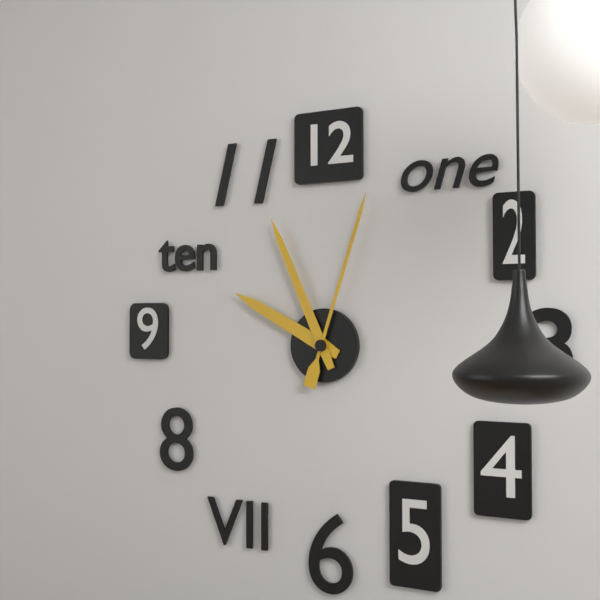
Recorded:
9.56.03
